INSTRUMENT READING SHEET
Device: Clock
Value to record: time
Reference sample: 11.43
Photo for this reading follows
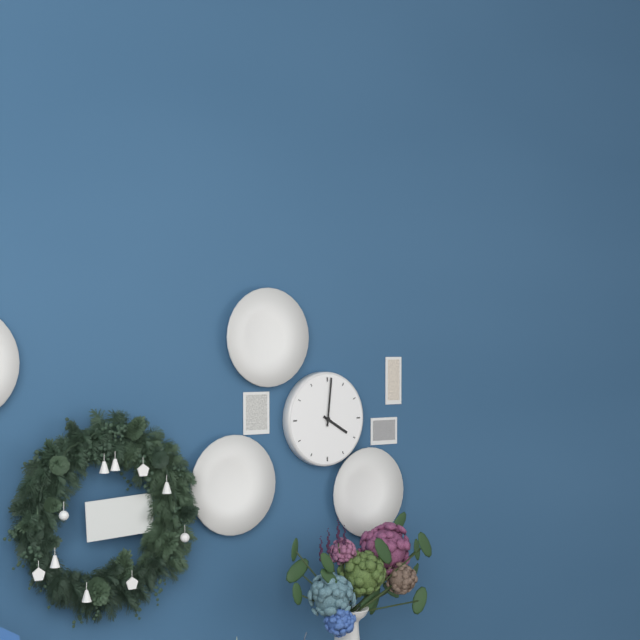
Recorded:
4.01
